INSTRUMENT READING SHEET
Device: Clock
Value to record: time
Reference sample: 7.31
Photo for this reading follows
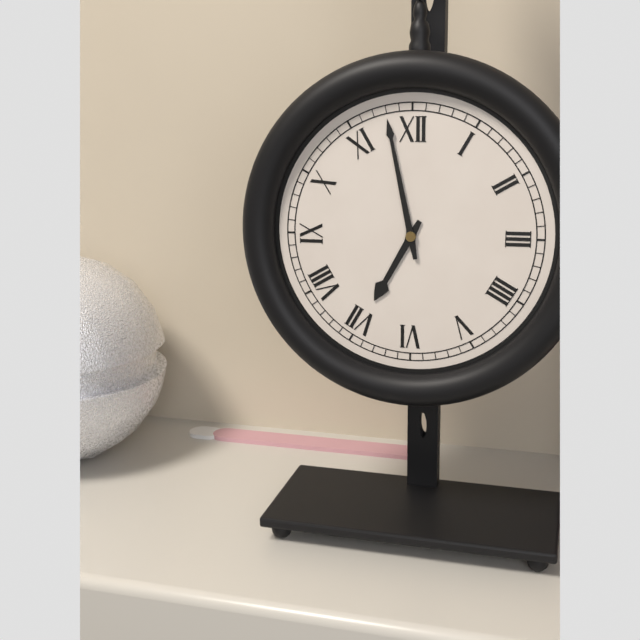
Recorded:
6.58
